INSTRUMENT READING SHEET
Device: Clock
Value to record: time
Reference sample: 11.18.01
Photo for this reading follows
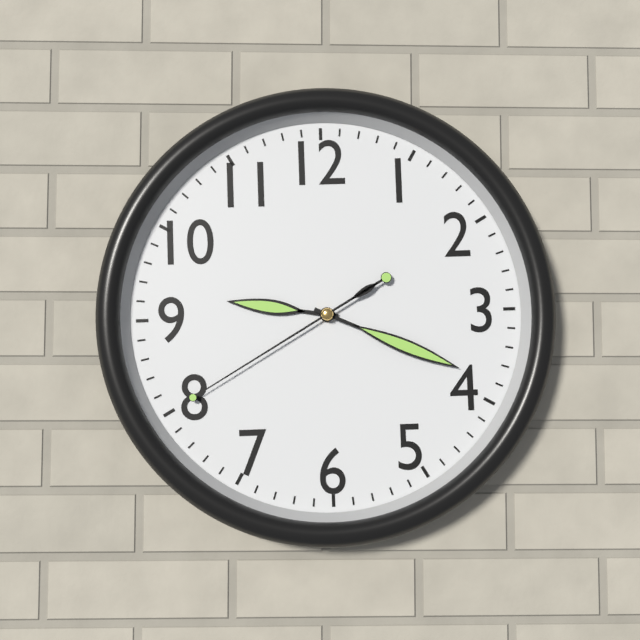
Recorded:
9.19.40
